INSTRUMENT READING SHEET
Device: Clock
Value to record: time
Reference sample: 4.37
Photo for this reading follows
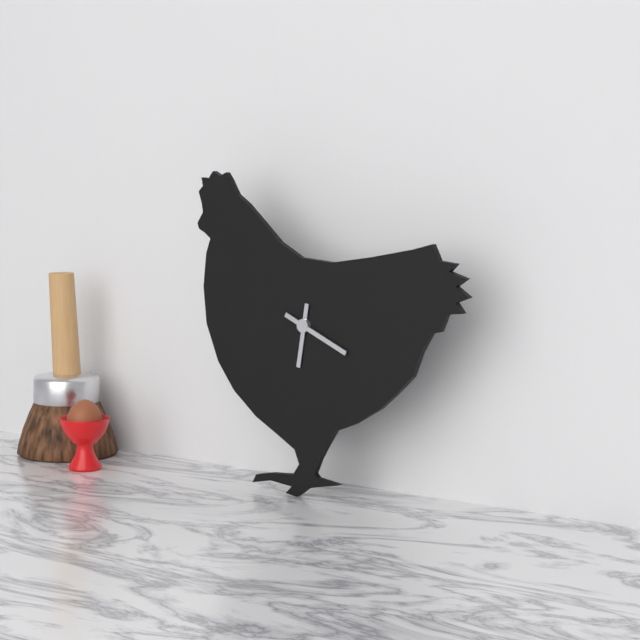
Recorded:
6.19
